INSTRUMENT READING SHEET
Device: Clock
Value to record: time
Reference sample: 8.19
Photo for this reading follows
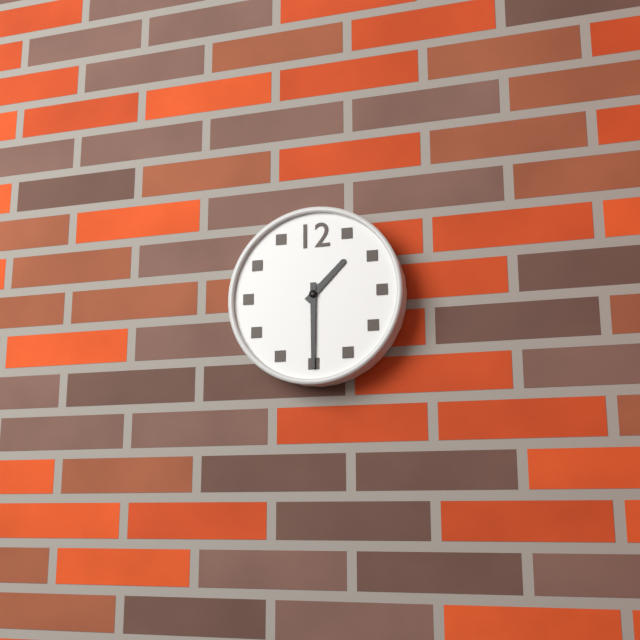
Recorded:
1.30
